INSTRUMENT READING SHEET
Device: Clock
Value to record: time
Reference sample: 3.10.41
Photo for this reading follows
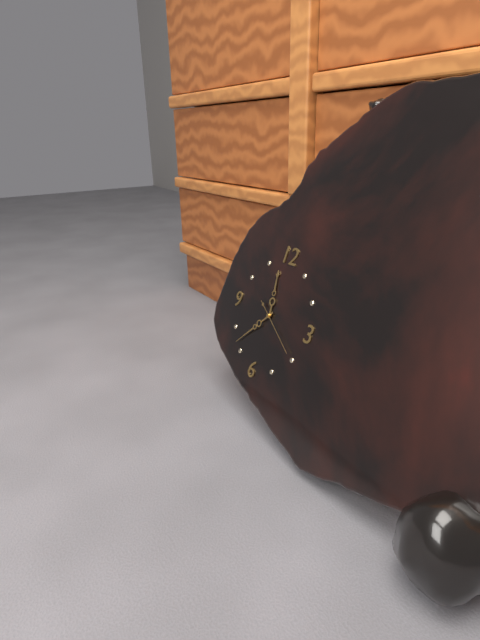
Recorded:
11.37.20
